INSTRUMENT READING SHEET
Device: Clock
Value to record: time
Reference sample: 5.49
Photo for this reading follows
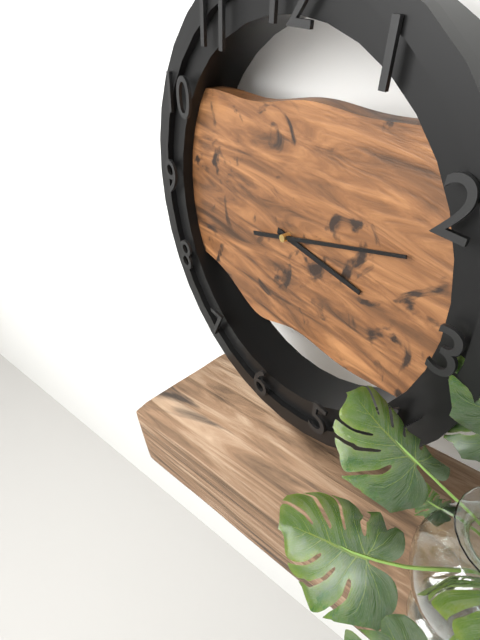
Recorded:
3.12
